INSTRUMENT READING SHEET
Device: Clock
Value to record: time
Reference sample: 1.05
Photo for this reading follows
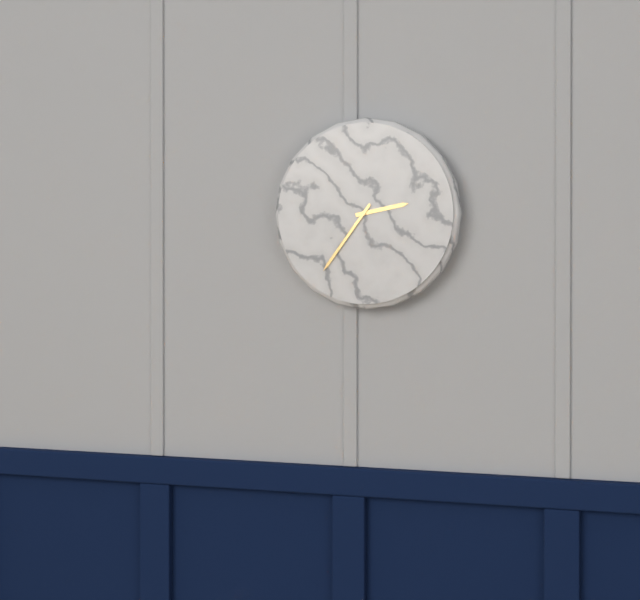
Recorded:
2.36
